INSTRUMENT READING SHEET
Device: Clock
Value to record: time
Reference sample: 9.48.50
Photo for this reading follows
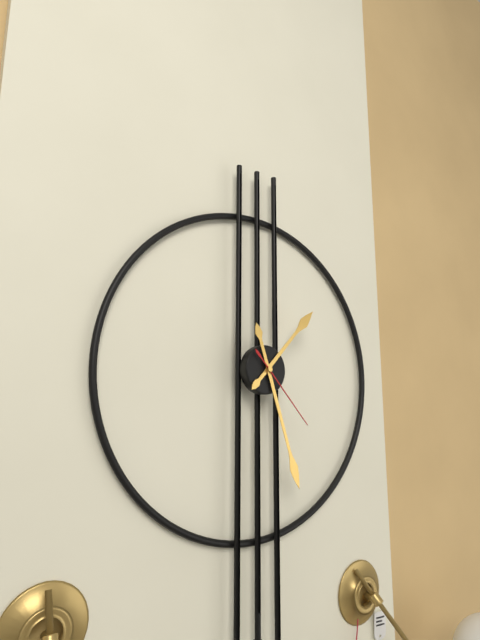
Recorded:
1.27.23
